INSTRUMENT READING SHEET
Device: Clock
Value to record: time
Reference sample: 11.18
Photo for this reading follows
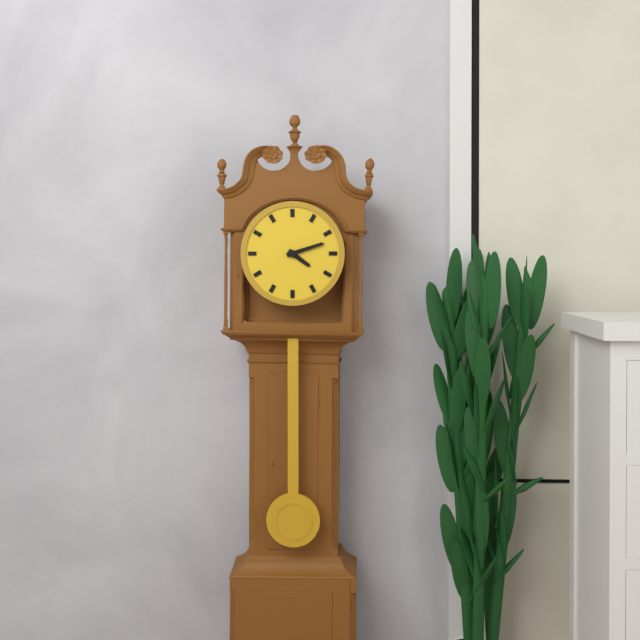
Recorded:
4.12
